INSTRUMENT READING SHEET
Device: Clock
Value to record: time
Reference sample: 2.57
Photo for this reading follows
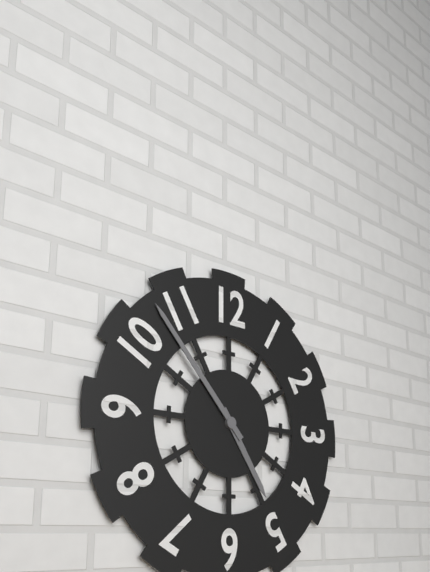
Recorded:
4.53
